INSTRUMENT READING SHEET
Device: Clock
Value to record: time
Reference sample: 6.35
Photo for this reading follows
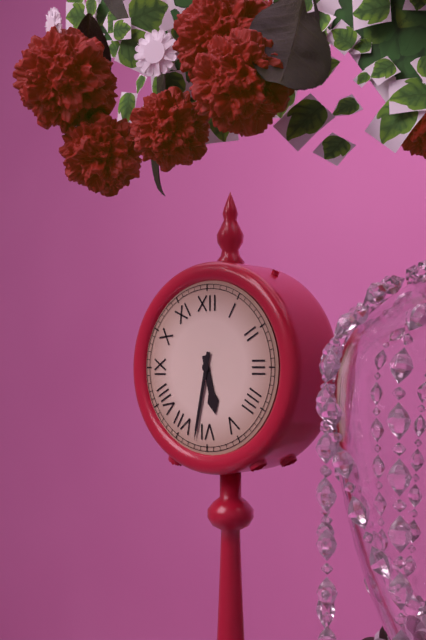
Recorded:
5.32
